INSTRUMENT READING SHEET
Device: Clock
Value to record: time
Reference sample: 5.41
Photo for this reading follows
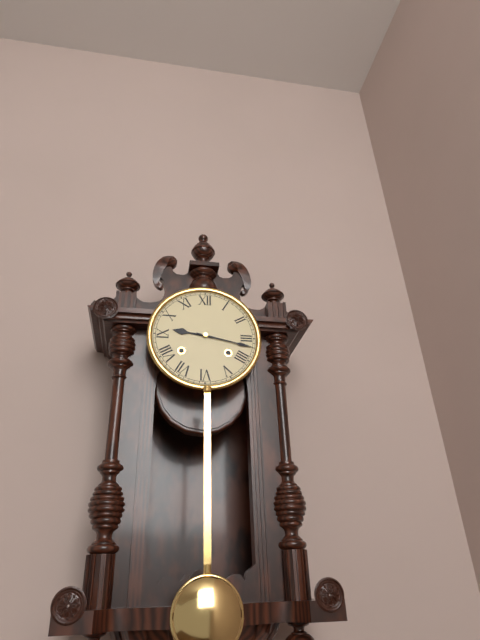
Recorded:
9.17
